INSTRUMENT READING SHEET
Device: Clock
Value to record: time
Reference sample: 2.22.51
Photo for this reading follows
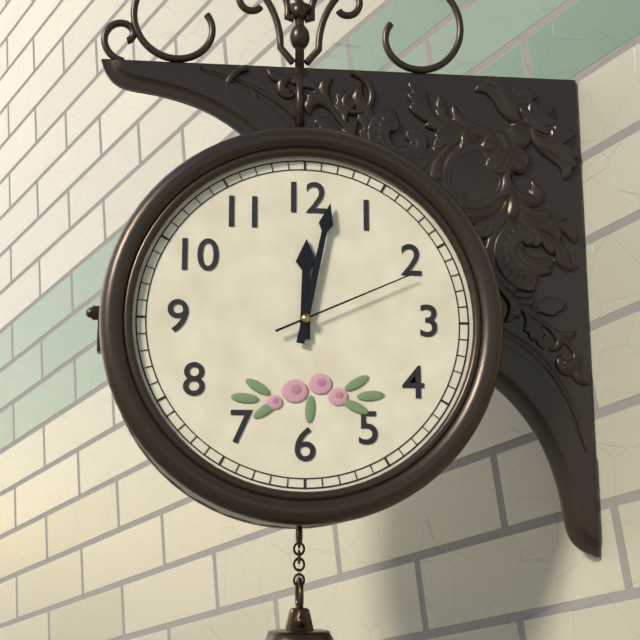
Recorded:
12.02.11
